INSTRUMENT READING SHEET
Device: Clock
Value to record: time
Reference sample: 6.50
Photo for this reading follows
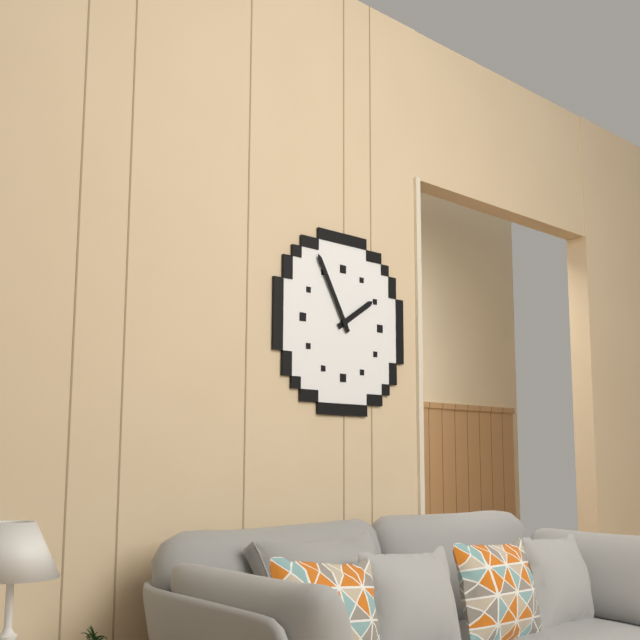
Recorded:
1.55
